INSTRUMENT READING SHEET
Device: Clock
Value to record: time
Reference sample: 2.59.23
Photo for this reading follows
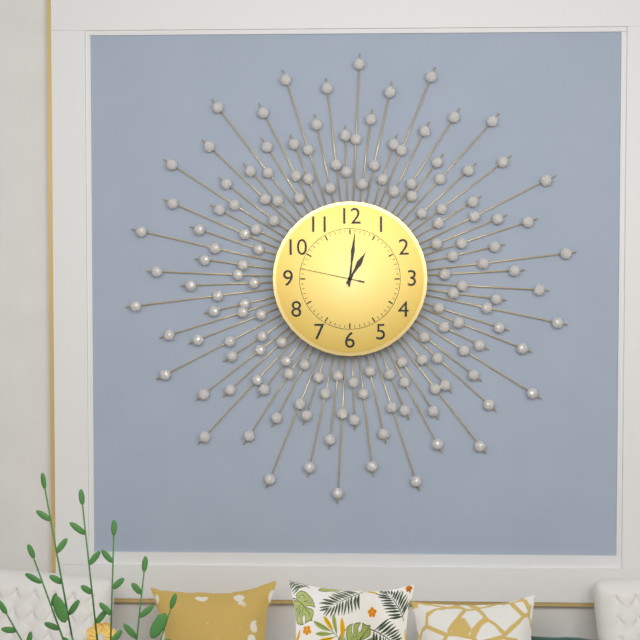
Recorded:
1.01.47
